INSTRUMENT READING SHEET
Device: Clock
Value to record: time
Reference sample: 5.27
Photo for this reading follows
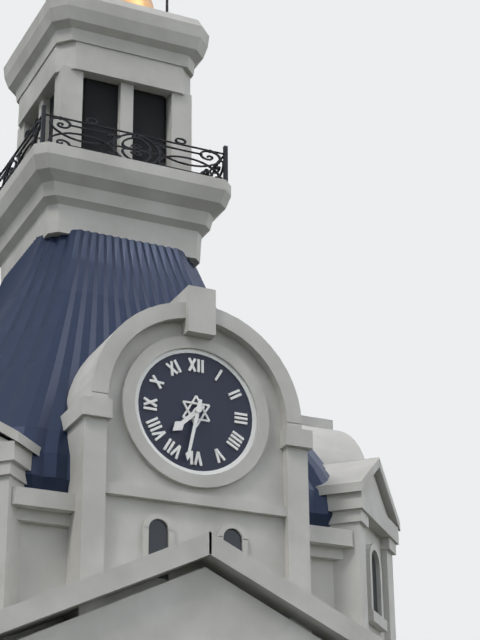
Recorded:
7.32
